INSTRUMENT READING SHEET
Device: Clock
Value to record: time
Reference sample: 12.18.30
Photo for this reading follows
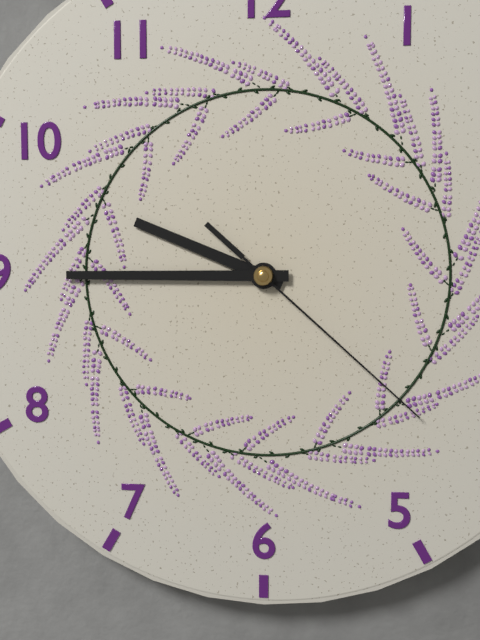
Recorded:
9.45.22
